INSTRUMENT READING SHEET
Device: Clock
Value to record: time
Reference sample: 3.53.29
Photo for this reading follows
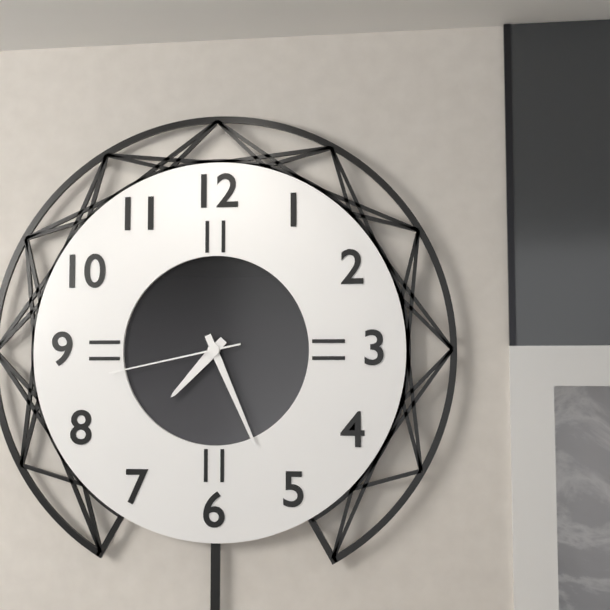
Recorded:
7.26.43
